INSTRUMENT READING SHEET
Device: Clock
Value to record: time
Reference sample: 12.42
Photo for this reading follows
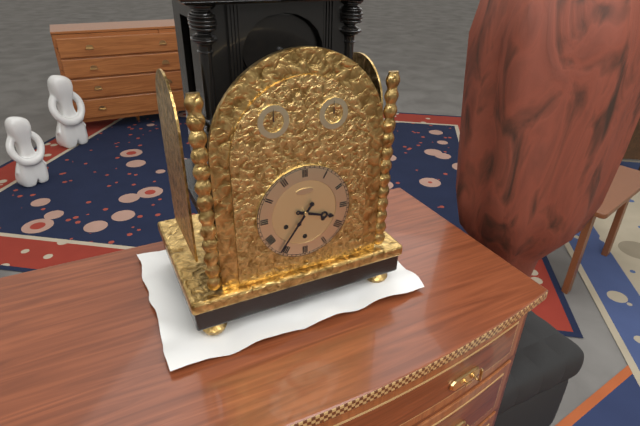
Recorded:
3.36
